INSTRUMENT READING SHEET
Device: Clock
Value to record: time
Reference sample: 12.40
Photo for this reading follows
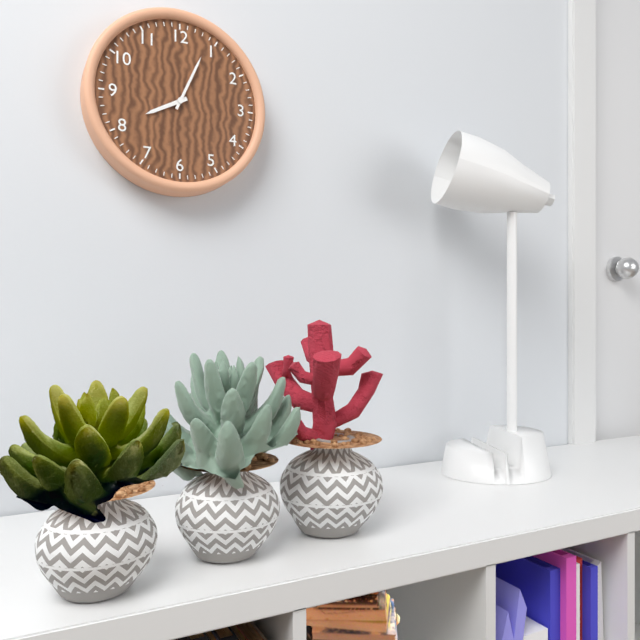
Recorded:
8.04
